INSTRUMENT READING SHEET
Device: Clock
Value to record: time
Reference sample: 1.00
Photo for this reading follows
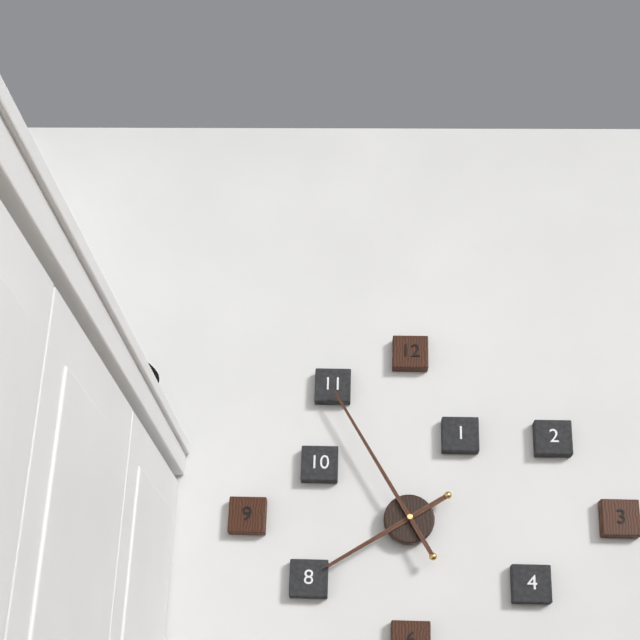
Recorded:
7.55
